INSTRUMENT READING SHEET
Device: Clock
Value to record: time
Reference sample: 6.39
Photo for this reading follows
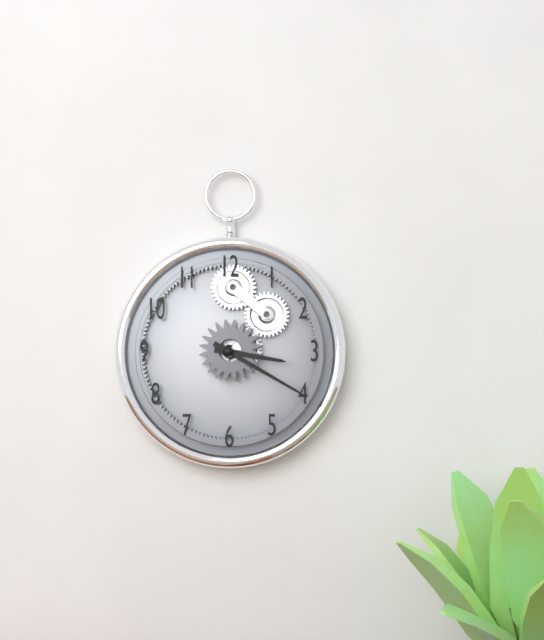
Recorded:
3.20
